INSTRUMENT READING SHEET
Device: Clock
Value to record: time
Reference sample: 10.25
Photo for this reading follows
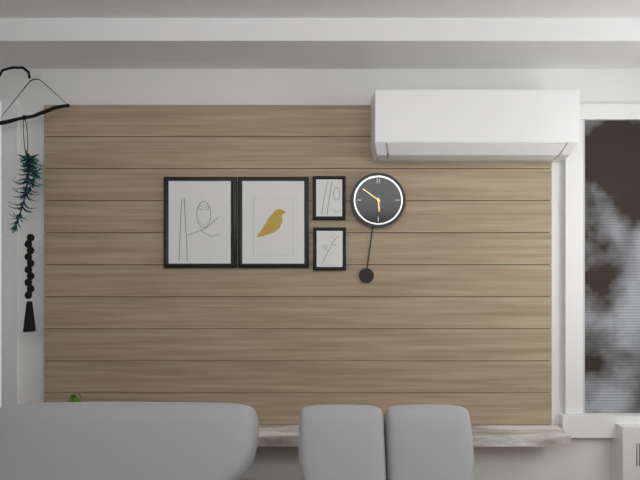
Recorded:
5.51
